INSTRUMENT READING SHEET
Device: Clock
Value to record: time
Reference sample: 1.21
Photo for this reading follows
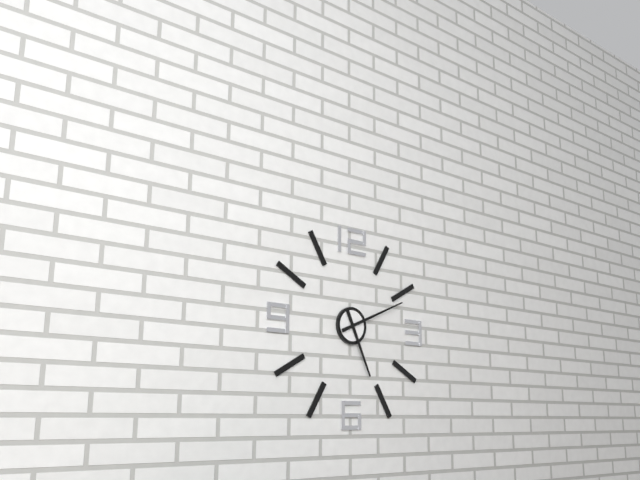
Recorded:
5.11
